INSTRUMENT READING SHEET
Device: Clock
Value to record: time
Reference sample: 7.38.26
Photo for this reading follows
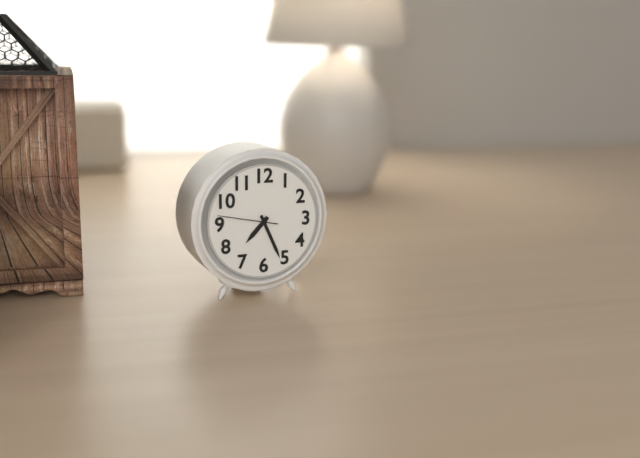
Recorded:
7.26.47
